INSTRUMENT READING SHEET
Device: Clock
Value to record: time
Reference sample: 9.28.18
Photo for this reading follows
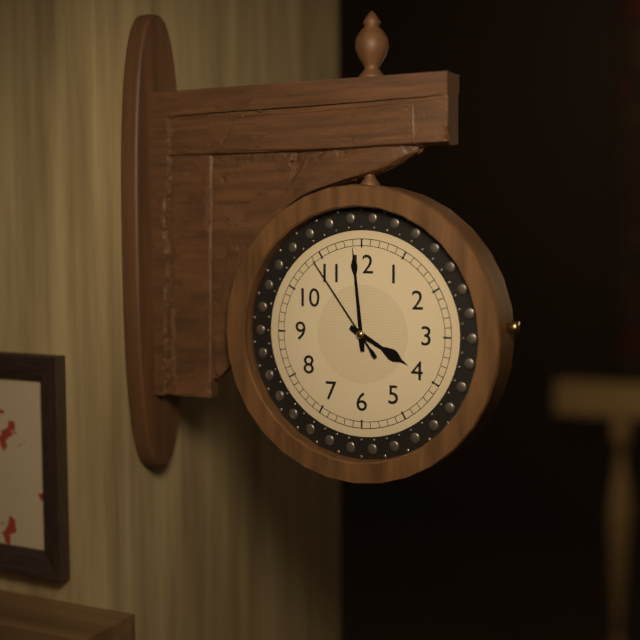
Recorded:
3.59.54
